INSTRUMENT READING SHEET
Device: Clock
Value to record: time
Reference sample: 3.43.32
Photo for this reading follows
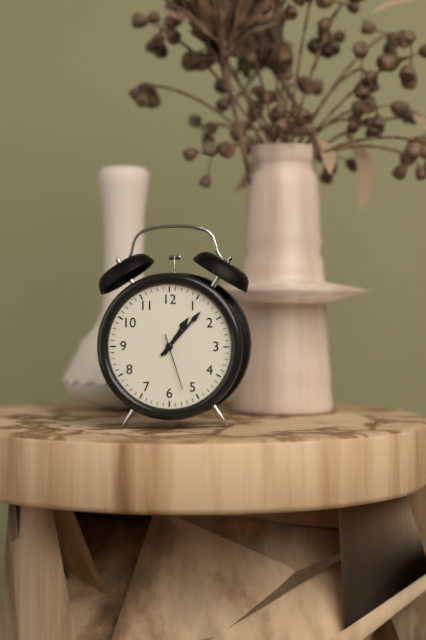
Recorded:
1.07.27
